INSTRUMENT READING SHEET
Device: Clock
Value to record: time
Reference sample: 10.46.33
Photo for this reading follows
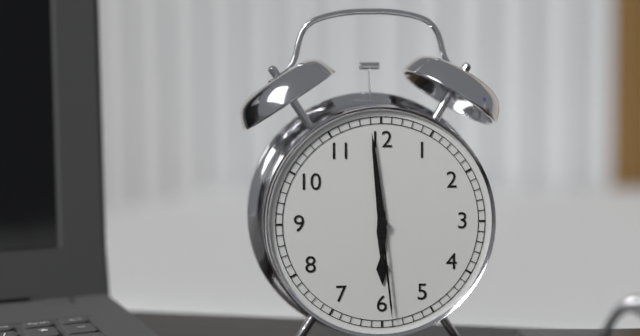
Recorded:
5.59.29
